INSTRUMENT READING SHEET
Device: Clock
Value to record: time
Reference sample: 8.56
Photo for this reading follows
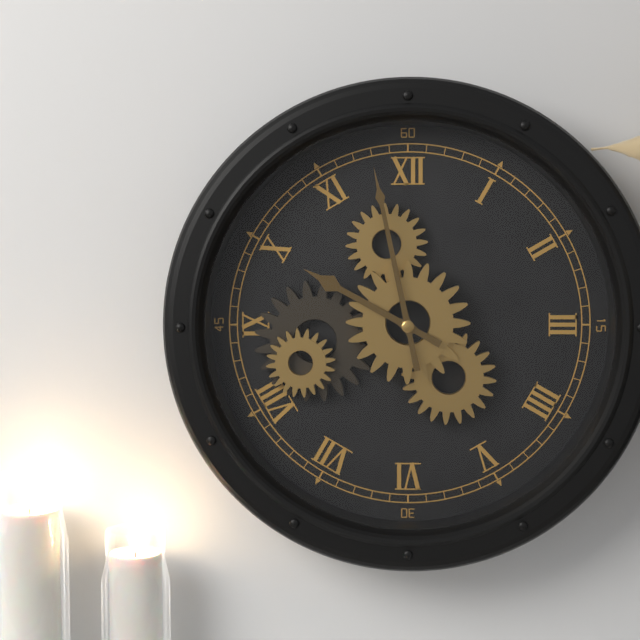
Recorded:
9.58
